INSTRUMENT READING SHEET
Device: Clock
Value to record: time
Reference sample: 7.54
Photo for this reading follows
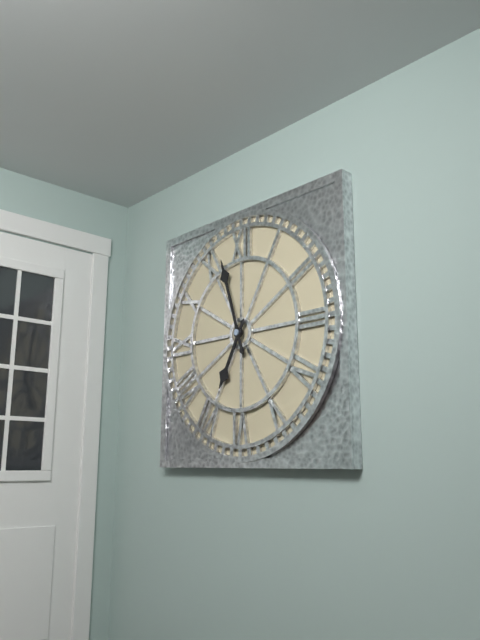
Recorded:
6.57
